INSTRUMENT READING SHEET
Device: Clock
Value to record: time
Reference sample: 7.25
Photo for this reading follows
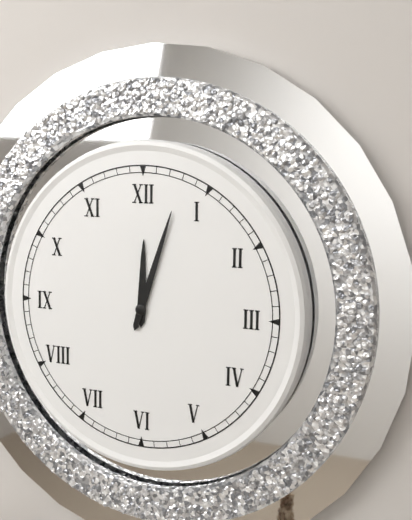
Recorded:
12.03
